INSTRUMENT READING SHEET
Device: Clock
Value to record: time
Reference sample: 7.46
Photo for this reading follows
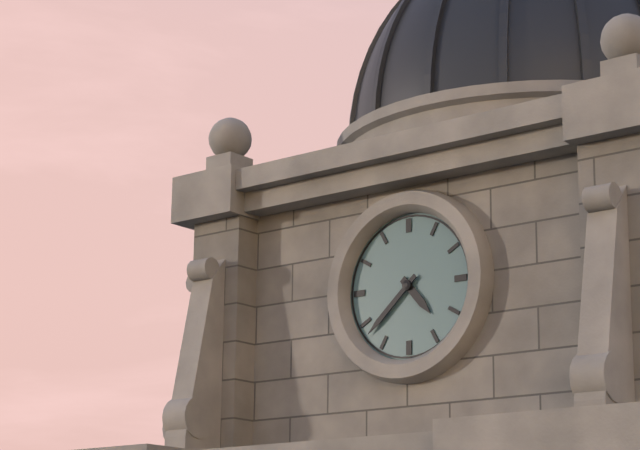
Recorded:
4.38
